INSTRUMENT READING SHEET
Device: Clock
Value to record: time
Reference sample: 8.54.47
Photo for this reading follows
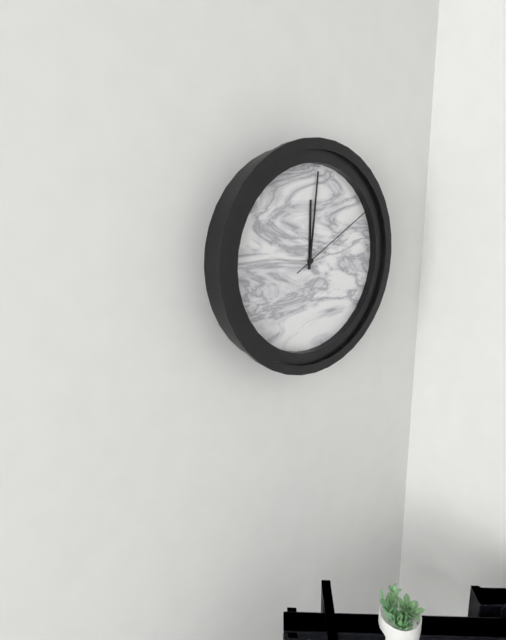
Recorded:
12.01.10
